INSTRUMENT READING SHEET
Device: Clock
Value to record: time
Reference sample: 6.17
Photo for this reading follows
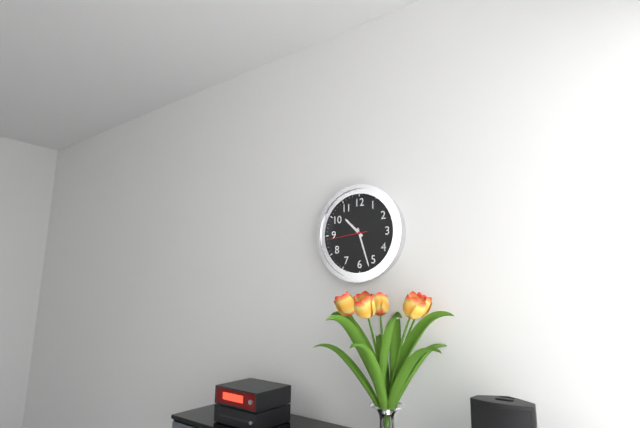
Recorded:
10.27
